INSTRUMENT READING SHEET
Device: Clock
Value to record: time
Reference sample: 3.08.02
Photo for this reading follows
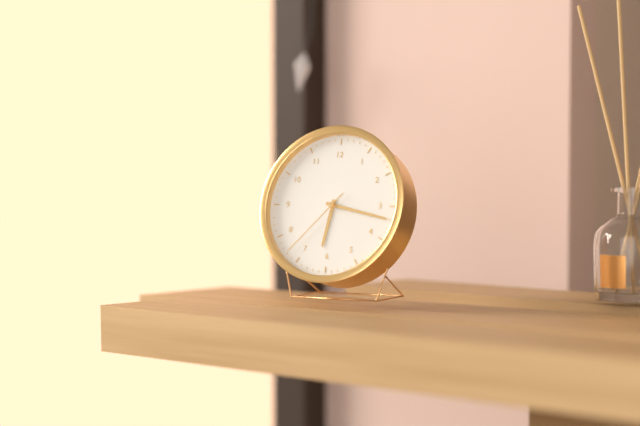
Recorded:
6.17.37
